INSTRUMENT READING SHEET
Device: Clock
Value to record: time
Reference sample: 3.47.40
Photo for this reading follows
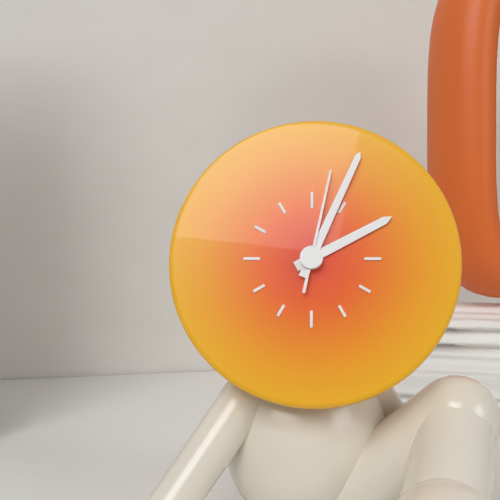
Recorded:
2.04.02
